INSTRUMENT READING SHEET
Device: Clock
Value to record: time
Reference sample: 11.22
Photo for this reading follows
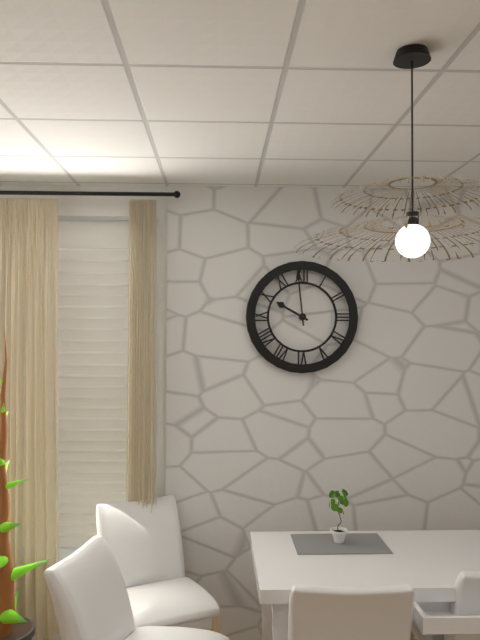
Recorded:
9.59
